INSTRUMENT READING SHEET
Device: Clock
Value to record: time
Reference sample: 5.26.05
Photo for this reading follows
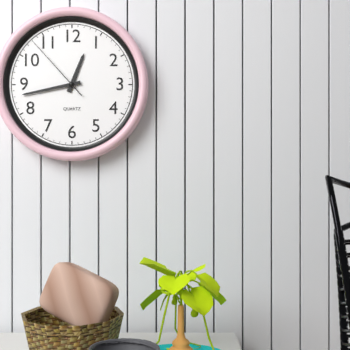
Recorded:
12.43.53
